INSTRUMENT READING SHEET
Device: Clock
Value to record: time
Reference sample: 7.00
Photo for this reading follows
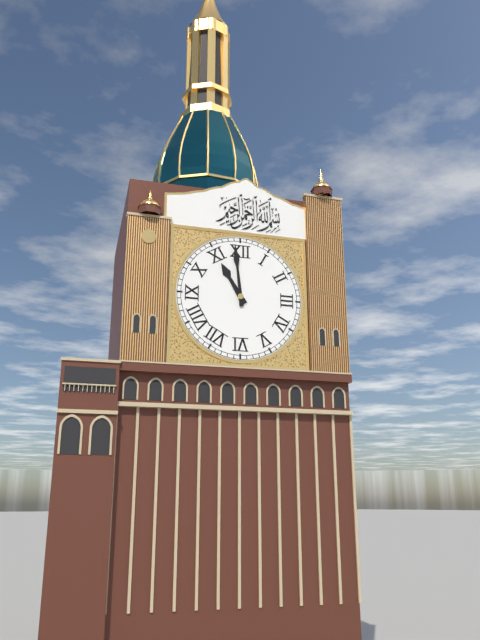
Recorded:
10.59
